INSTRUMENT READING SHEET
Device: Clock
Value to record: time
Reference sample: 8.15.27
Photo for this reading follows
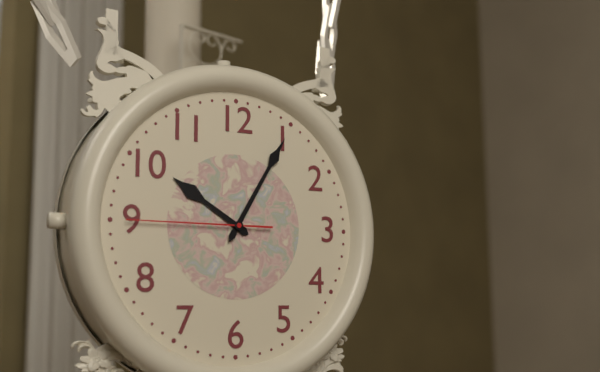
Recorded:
10.05.45
